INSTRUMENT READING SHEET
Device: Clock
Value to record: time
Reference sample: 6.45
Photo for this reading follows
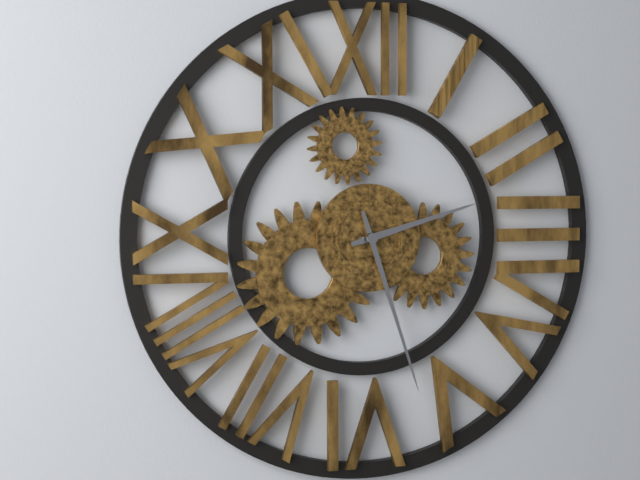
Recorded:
2.27
